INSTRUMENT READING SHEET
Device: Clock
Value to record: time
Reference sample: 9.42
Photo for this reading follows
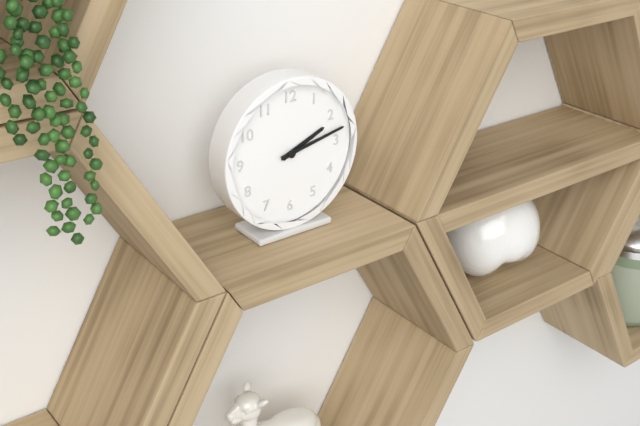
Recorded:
2.13
